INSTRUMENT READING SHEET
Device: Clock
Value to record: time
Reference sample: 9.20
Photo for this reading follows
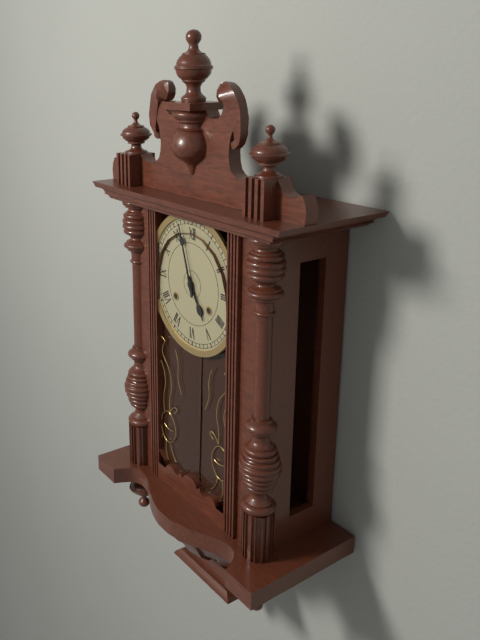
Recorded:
4.57
